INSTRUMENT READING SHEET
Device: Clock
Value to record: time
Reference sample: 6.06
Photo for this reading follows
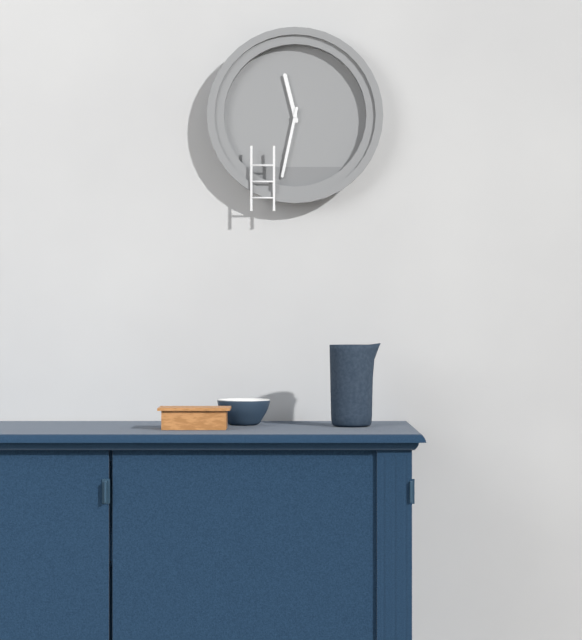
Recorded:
11.32
